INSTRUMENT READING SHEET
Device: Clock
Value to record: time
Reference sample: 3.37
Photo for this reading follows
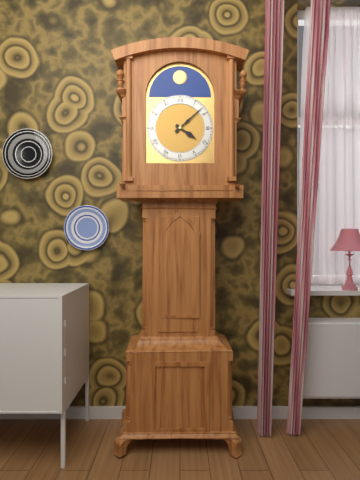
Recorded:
4.08
